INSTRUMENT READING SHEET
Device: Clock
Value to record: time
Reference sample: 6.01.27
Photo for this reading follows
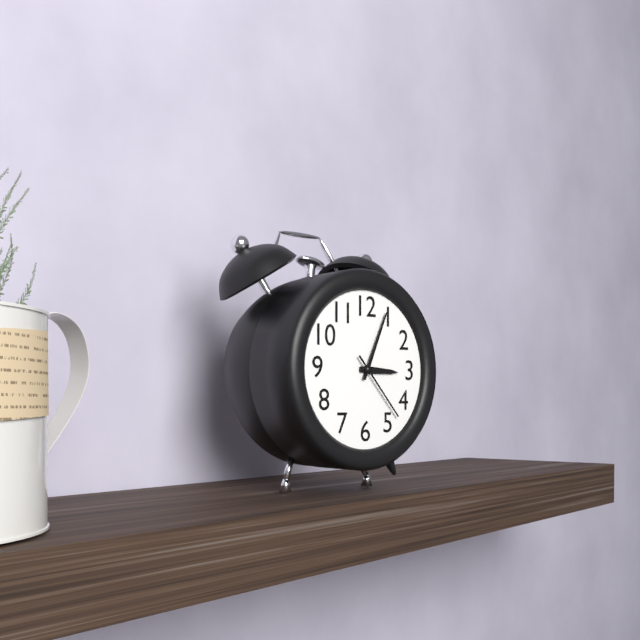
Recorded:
3.04.23
